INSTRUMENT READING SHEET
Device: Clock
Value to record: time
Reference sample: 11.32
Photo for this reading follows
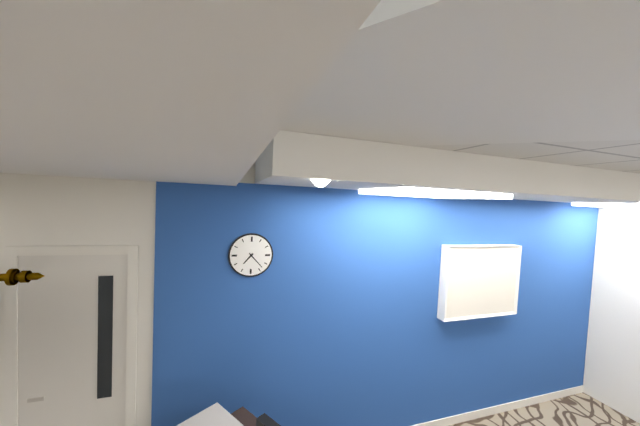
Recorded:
7.23
